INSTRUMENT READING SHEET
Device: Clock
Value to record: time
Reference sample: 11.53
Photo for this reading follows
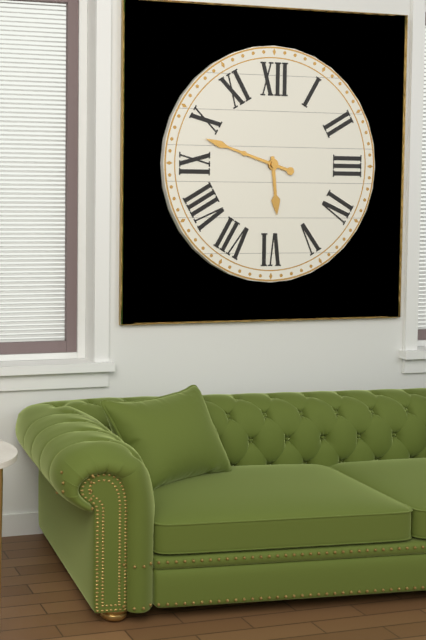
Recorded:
5.48
